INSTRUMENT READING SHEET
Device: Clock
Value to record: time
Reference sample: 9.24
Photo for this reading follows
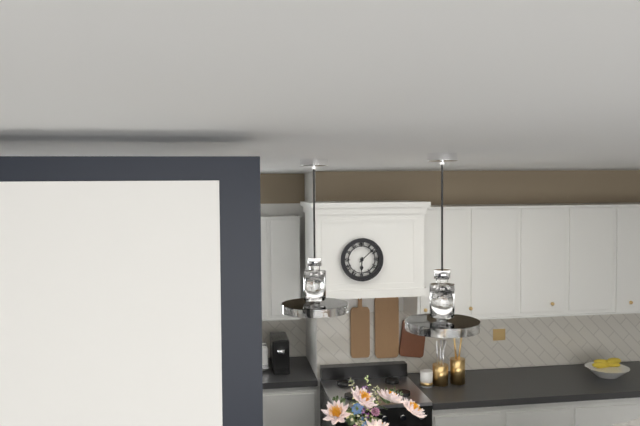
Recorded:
6.08
